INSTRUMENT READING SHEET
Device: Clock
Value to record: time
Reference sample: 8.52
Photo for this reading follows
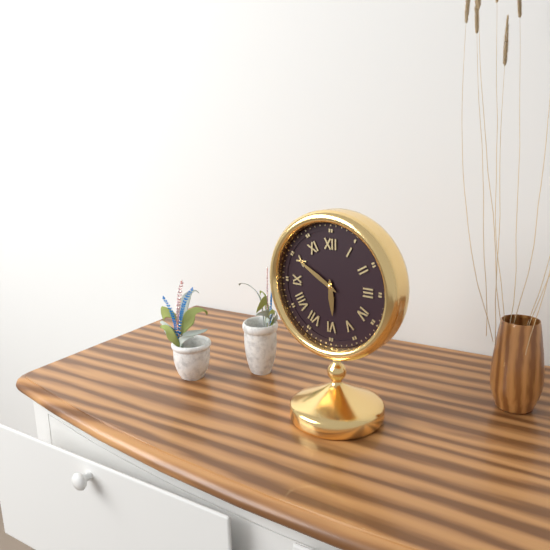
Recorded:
5.50
